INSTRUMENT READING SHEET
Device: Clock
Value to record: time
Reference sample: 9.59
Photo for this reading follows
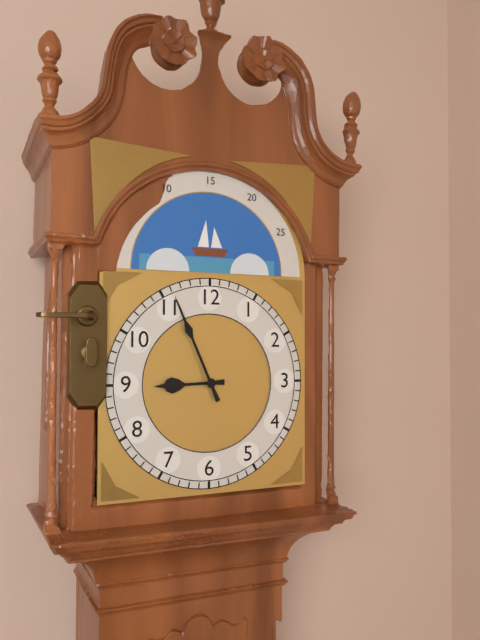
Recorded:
8.56
